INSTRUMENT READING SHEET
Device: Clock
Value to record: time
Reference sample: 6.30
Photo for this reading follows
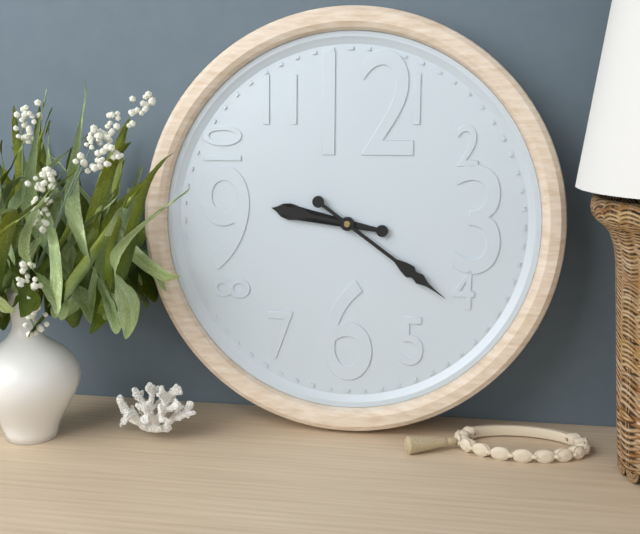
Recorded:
9.21
